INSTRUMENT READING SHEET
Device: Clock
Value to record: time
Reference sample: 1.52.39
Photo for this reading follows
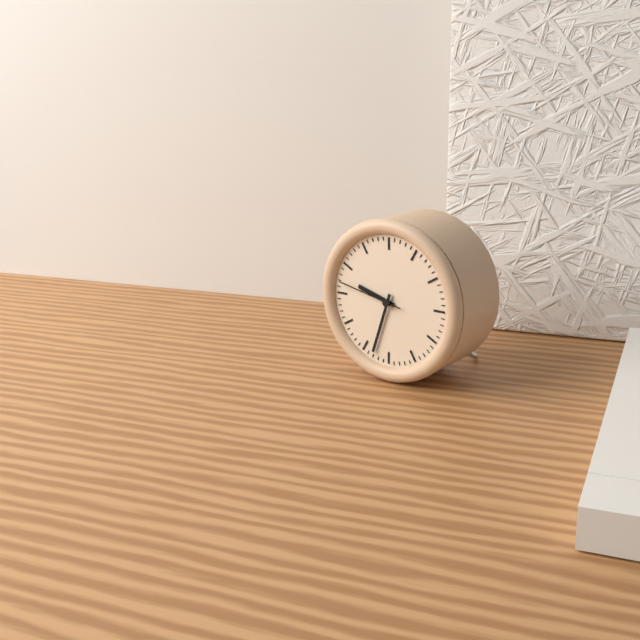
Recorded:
9.33.47
